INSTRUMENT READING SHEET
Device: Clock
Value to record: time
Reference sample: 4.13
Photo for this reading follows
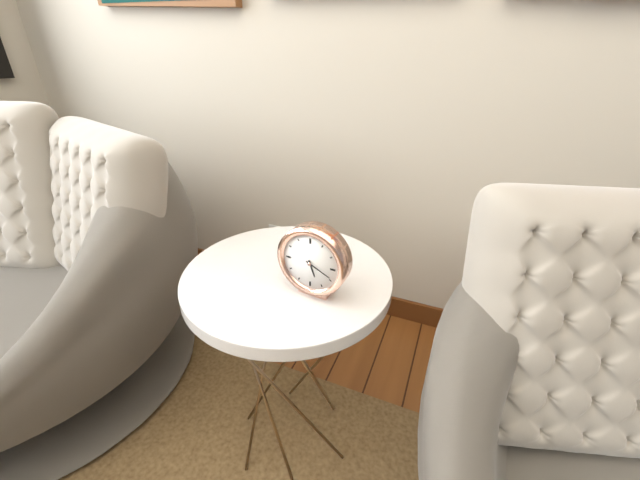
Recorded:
5.19
